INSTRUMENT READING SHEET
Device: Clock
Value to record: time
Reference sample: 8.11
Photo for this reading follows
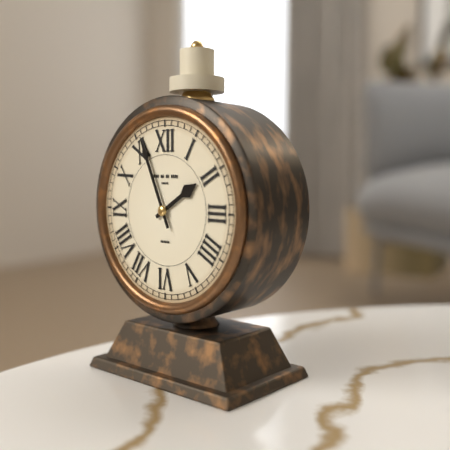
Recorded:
1.56
